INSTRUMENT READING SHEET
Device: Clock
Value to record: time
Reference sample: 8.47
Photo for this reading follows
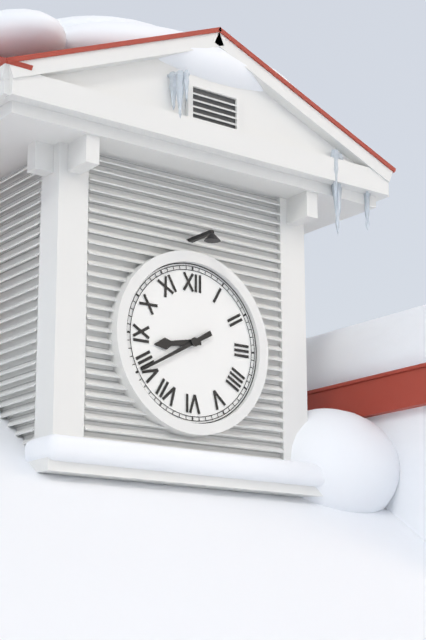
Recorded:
8.40
